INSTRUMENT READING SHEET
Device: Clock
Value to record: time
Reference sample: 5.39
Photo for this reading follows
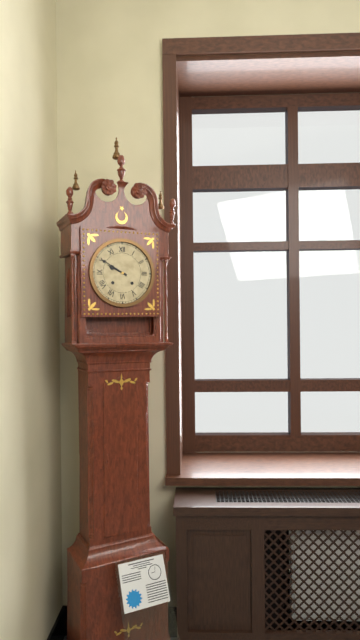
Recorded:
9.50
